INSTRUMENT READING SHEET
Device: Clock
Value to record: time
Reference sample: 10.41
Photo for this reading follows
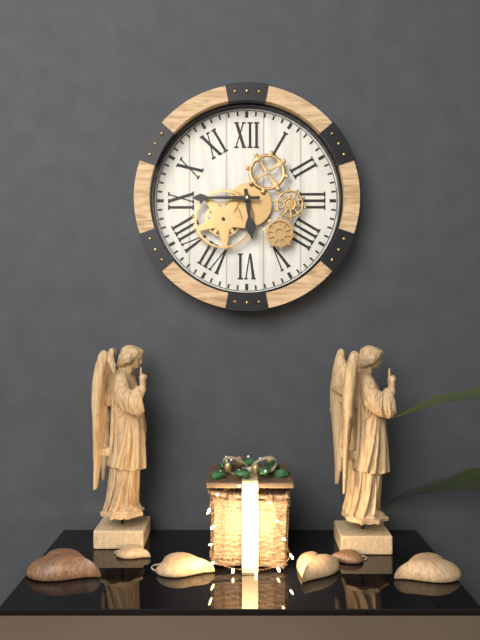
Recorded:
5.45
